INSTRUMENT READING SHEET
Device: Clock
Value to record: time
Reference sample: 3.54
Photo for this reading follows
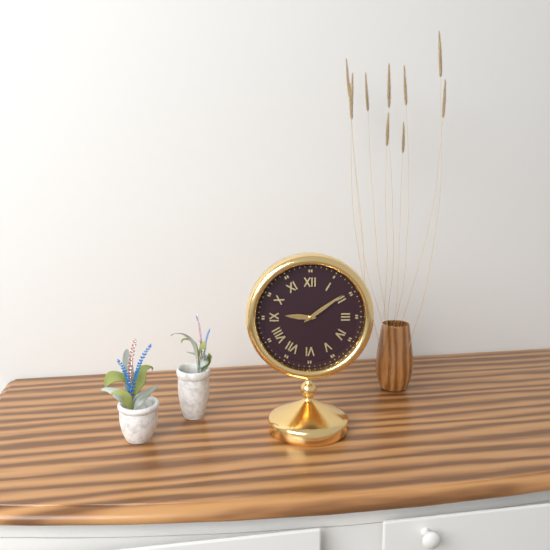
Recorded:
9.09
